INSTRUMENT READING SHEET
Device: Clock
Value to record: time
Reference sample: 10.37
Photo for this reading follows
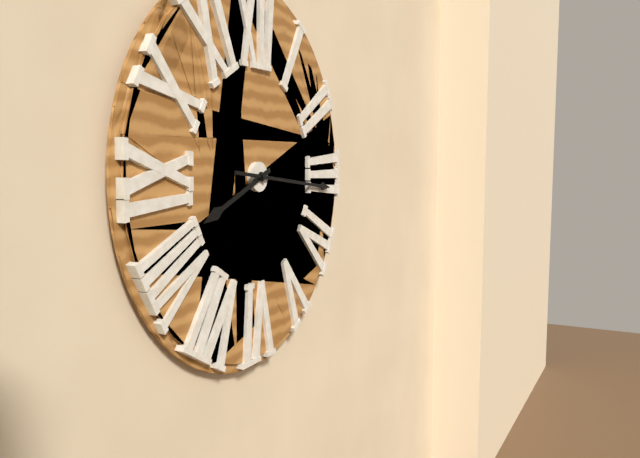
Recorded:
8.16
